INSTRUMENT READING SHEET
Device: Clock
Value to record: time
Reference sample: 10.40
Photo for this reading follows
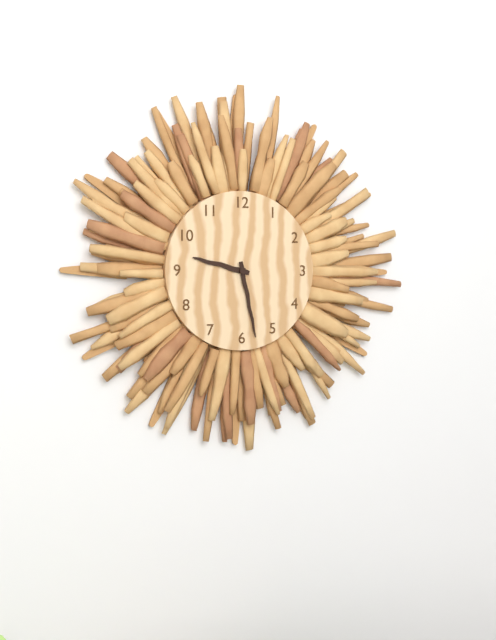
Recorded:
9.28
